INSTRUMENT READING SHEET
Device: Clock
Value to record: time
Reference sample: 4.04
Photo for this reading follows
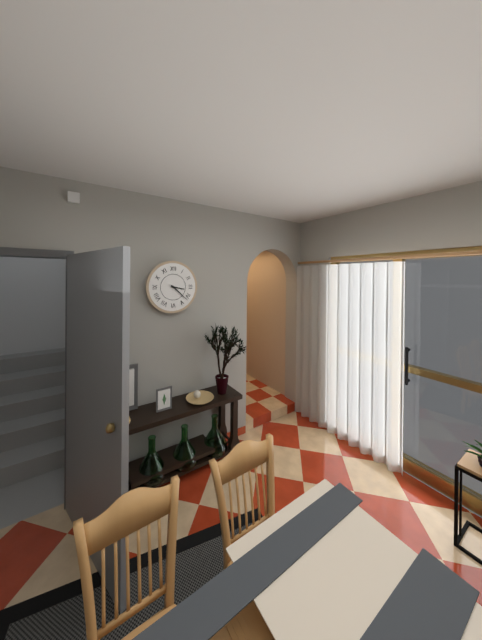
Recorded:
3.22
